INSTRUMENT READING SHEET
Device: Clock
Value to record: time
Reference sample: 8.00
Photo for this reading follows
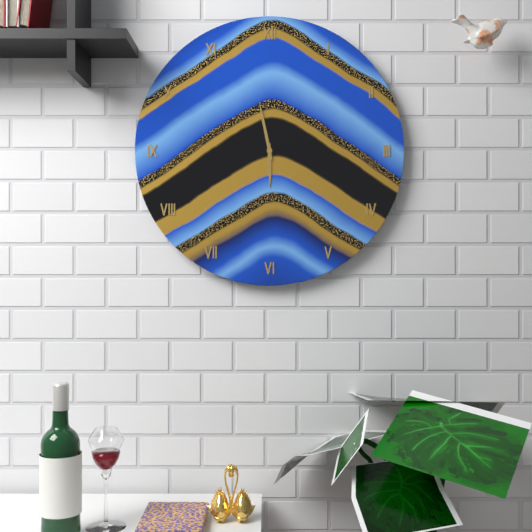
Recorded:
5.58
